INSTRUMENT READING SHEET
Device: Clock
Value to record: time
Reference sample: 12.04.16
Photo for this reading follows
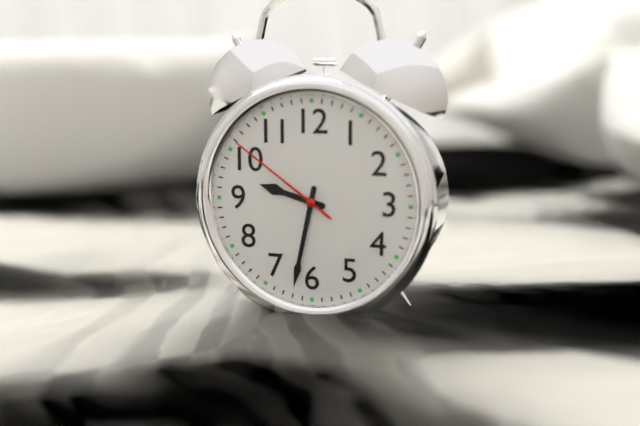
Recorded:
9.32.51
